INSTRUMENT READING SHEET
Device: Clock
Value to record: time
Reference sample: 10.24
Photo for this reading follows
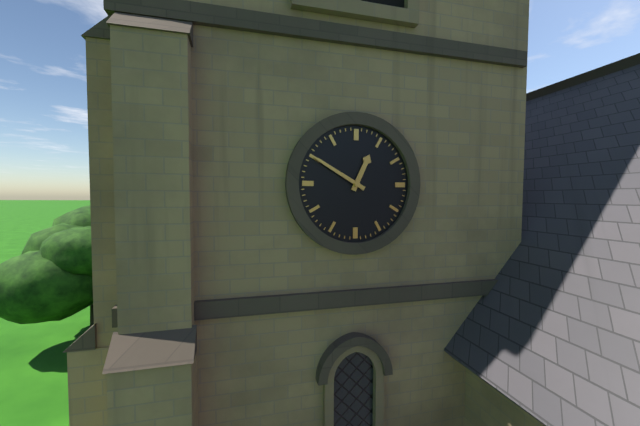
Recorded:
12.50
